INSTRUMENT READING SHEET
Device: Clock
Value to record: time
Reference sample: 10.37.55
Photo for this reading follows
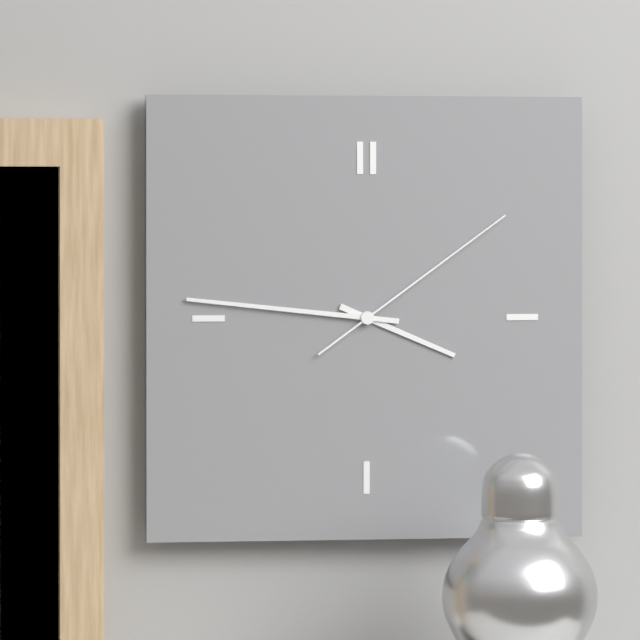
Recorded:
3.46.09
